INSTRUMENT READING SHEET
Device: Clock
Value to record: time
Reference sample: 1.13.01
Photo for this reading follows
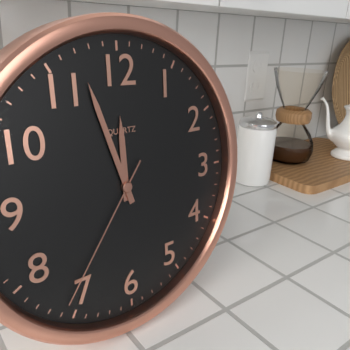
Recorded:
11.57.36
